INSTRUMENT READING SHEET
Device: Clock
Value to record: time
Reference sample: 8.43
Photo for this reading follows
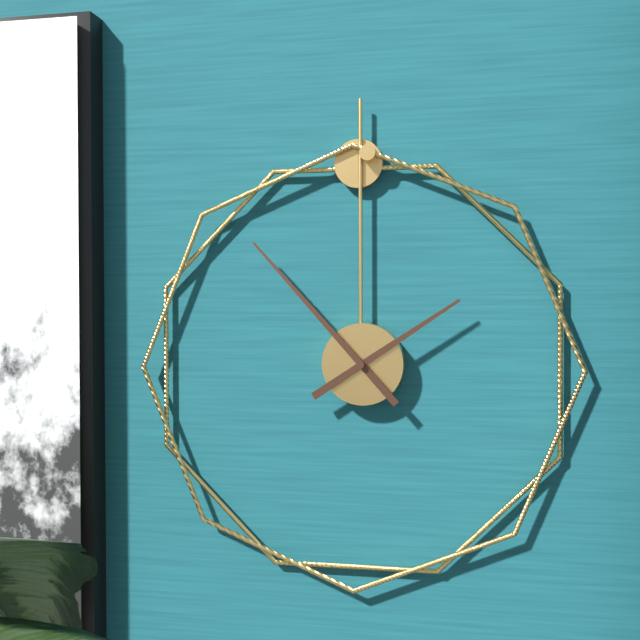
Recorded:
1.53
